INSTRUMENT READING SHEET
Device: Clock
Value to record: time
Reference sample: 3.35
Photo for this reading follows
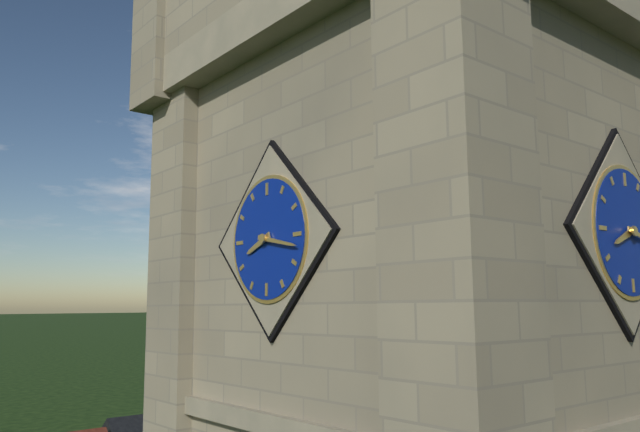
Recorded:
8.17
